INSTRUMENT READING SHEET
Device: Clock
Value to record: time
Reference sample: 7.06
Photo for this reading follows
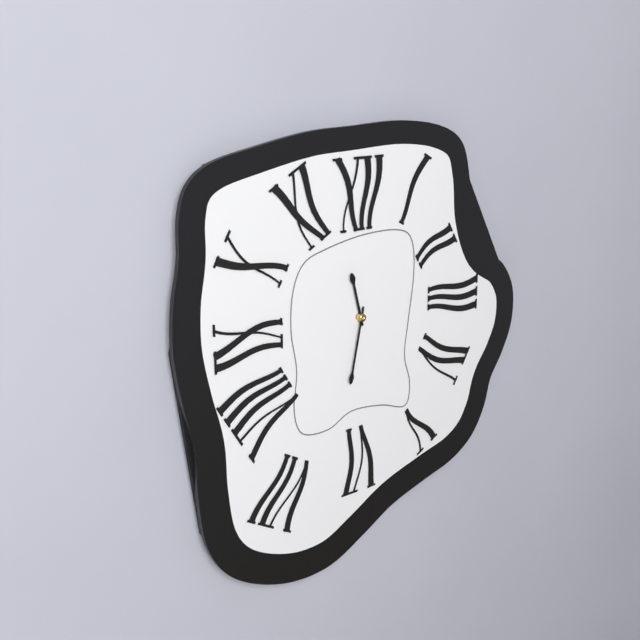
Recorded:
11.32
